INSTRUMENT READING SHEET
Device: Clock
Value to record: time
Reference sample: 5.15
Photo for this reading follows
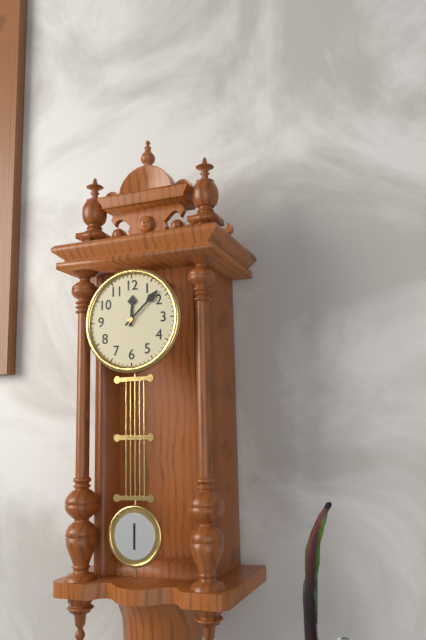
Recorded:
12.08
